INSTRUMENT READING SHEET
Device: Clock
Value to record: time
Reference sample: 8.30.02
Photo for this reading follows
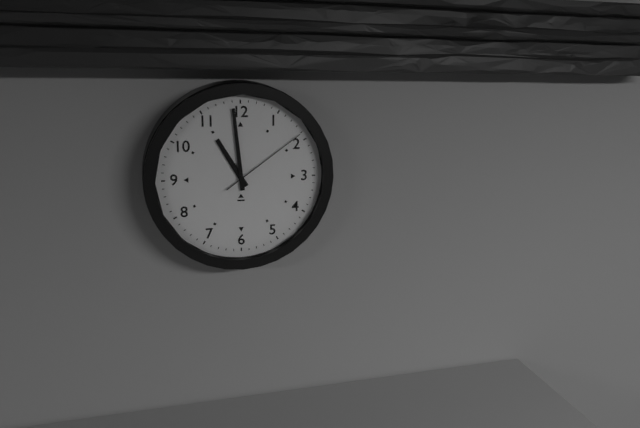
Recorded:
10.59.09
